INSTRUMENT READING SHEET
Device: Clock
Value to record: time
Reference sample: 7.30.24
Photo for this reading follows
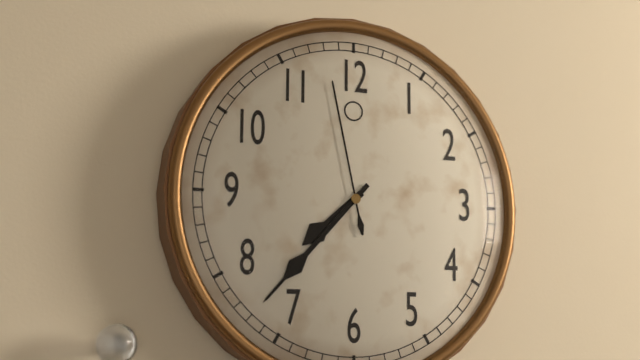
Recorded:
7.37.58
